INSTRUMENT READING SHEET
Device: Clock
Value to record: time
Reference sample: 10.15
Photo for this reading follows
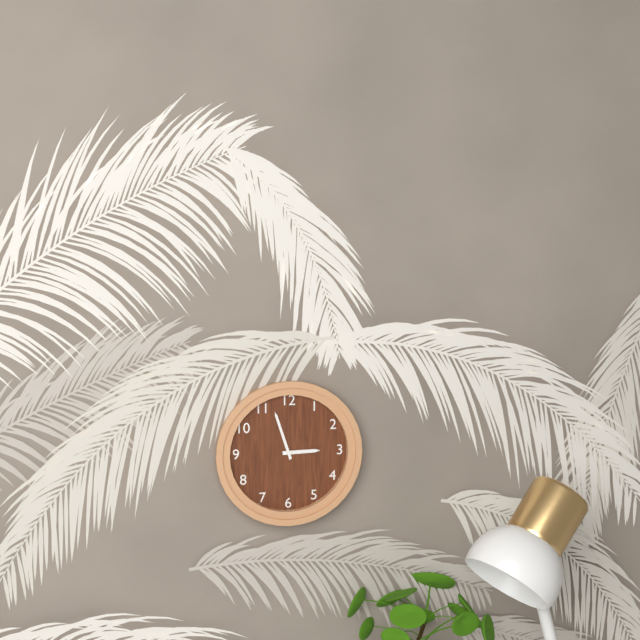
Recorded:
2.57
